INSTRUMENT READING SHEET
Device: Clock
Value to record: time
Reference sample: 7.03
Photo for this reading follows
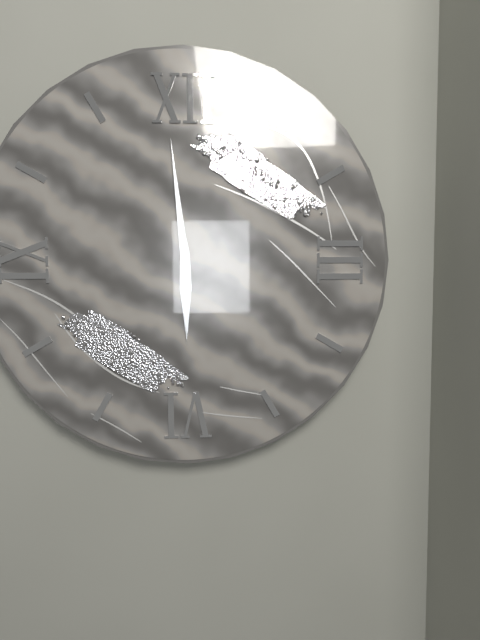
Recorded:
5.59
